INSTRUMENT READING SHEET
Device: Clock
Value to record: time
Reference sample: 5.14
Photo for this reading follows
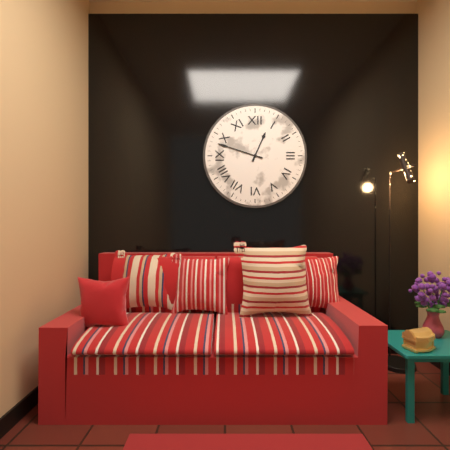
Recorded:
12.48
